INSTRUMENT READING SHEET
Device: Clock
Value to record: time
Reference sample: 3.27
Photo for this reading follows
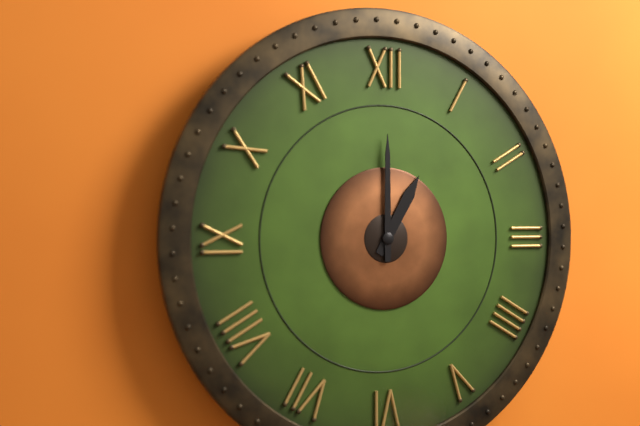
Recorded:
1.00
